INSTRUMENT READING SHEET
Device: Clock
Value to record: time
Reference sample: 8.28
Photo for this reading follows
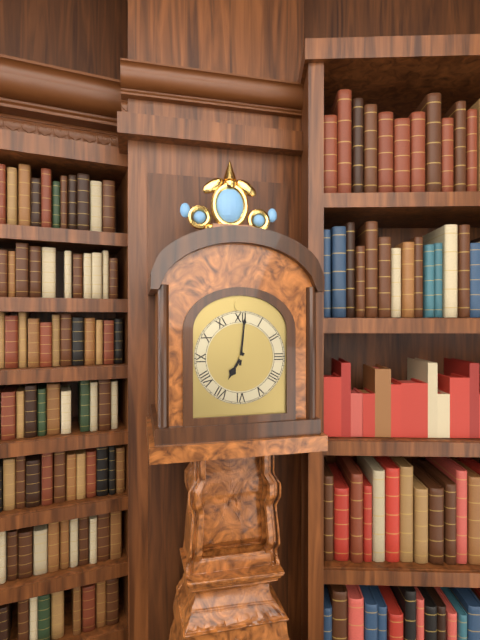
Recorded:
7.01
